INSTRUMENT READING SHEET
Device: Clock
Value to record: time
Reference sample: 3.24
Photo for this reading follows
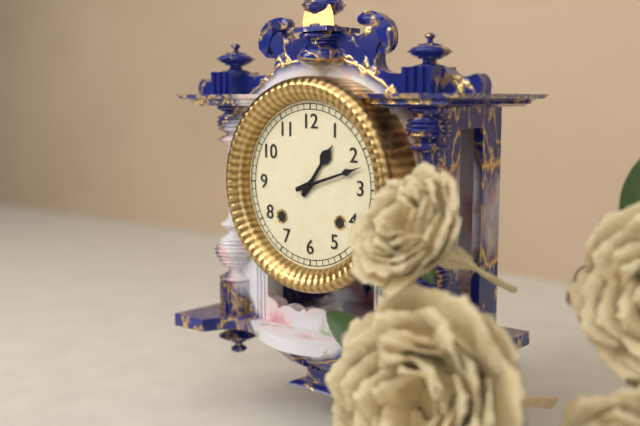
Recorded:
1.12
